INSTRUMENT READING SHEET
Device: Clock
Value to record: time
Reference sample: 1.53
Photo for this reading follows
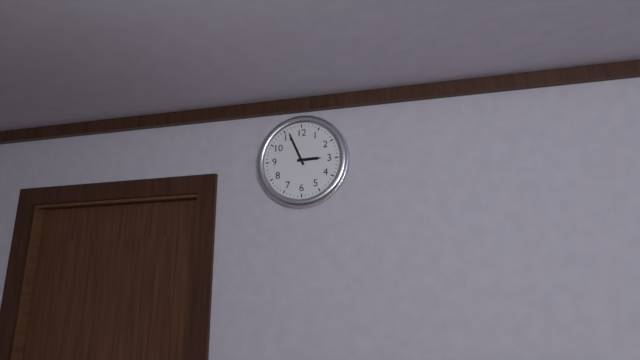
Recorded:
2.56
